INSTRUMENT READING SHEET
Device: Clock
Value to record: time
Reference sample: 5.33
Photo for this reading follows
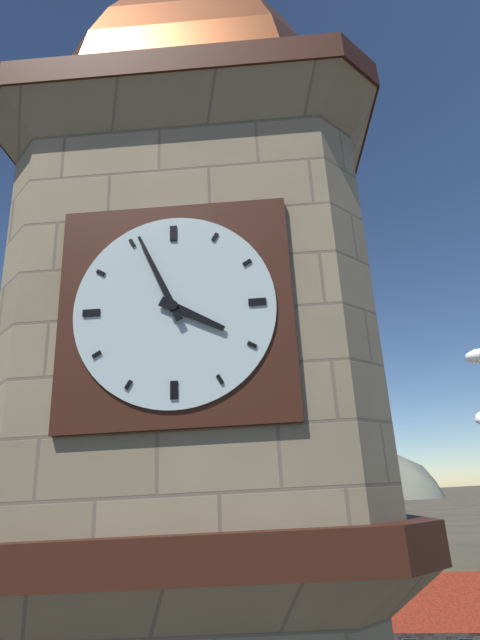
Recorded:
3.56
